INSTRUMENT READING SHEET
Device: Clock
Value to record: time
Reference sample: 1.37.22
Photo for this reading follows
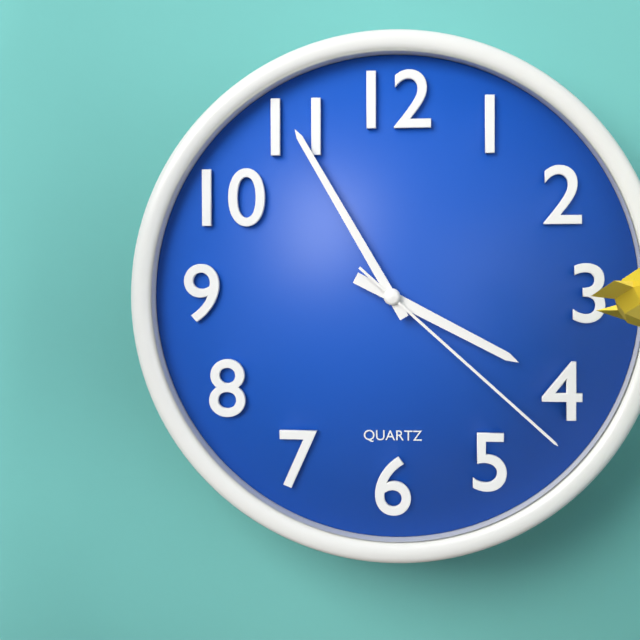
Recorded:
3.55.22
